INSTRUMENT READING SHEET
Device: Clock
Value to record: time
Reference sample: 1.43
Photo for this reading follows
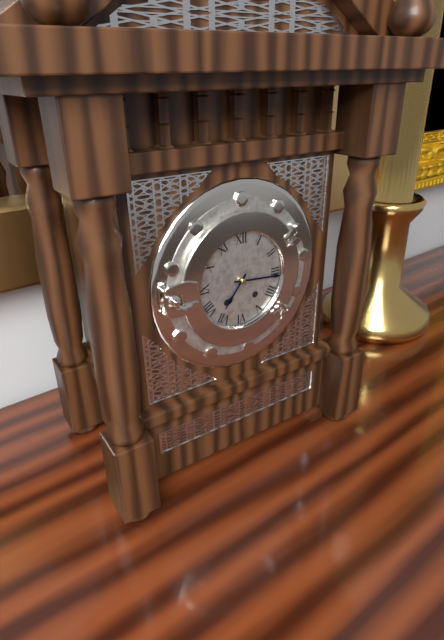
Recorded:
7.16
